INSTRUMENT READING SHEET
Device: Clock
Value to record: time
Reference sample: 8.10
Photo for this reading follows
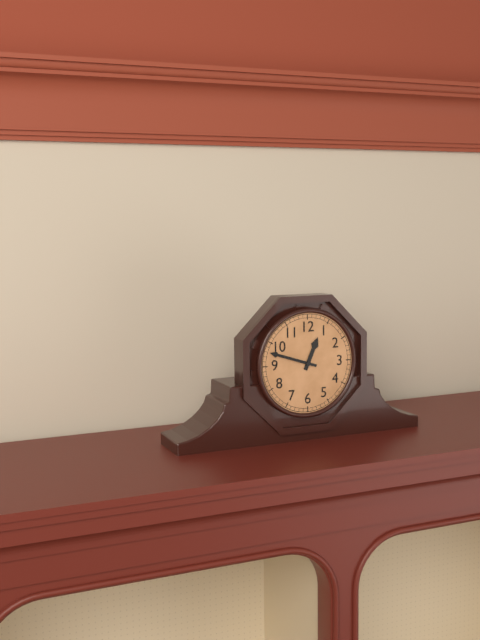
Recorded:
12.48
